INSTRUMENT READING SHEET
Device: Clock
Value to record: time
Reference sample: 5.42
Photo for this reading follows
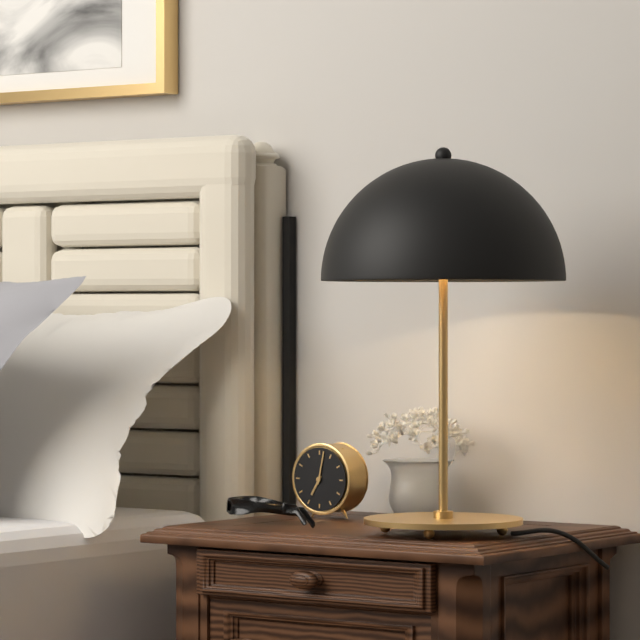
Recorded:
7.02
